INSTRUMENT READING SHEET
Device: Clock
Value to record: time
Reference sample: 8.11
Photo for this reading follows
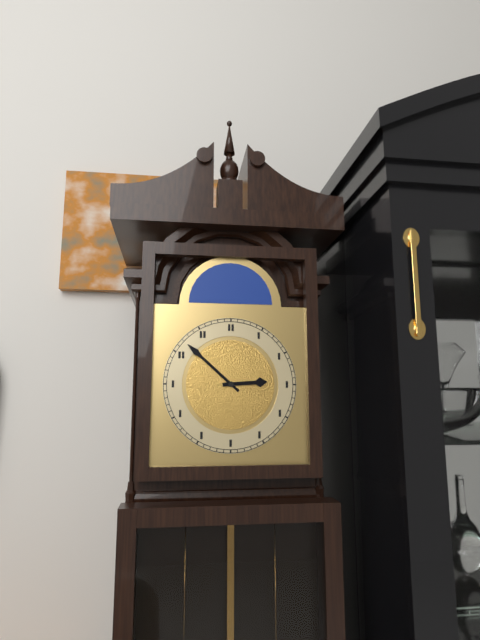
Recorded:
2.52
